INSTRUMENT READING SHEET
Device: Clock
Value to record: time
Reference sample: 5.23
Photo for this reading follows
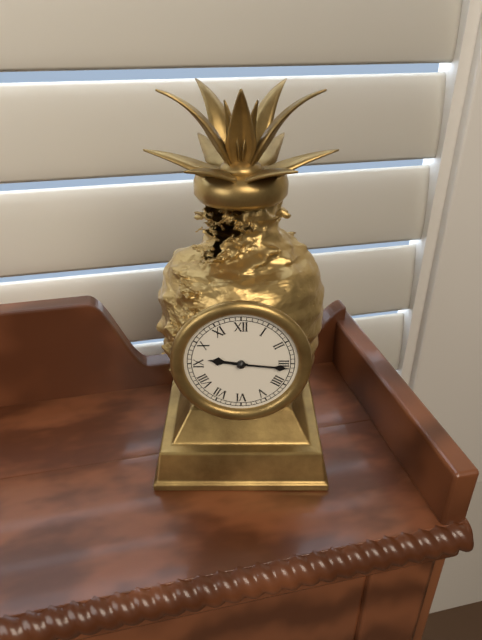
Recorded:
9.16
